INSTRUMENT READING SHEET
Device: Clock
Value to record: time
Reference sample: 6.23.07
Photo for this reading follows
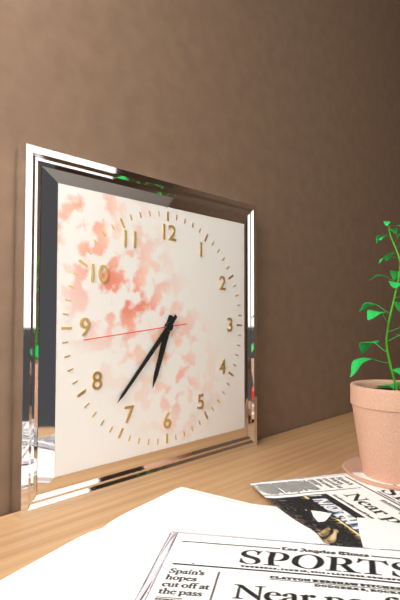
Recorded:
6.37.44
